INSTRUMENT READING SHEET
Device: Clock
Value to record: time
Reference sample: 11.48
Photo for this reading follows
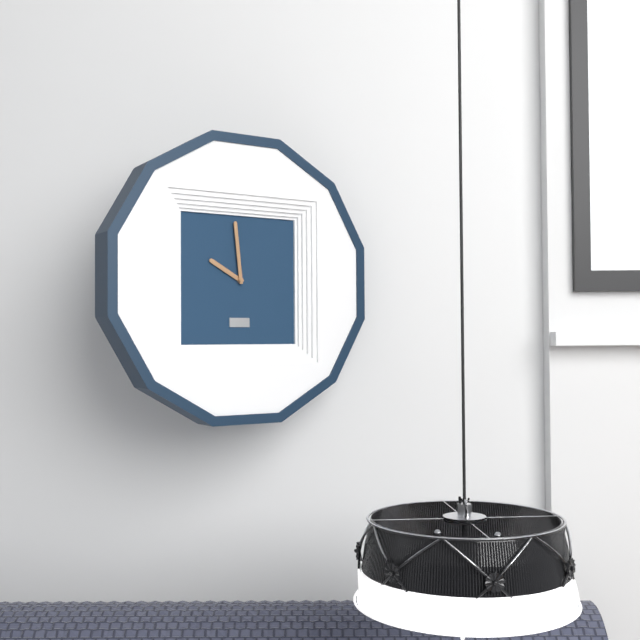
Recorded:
9.59
